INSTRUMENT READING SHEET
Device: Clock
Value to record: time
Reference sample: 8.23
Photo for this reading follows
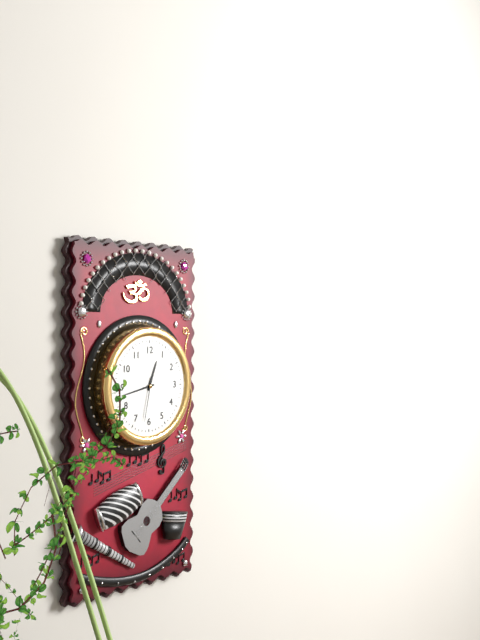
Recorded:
12.43
